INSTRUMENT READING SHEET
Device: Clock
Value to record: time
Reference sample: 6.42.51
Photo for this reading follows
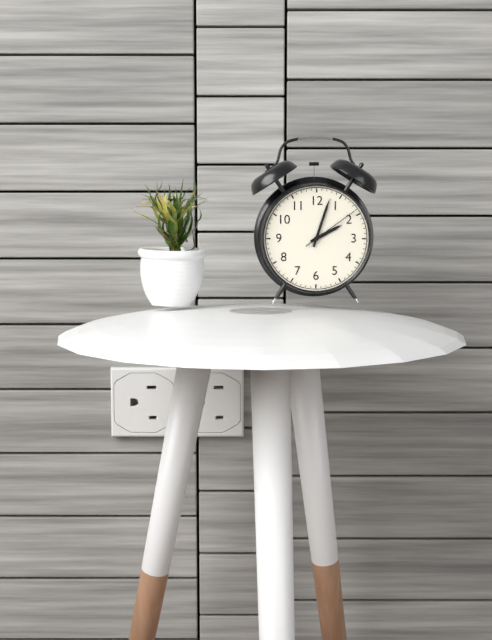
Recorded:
2.03.09
